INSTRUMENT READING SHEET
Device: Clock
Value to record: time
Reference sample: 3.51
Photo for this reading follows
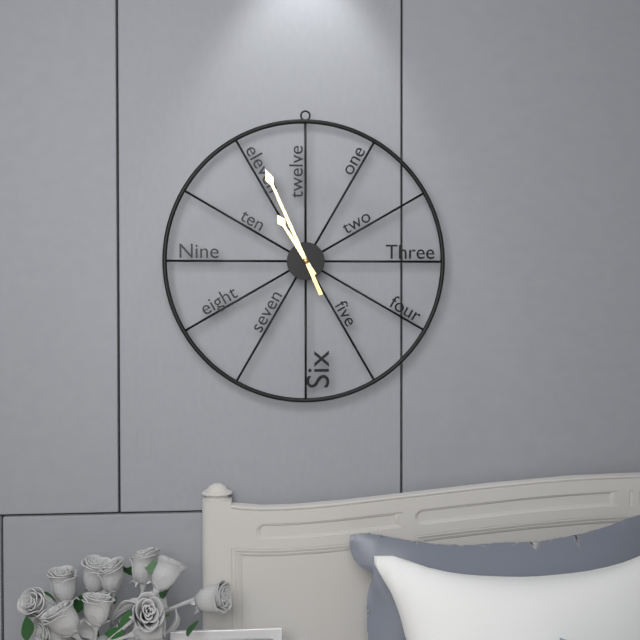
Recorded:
10.56
